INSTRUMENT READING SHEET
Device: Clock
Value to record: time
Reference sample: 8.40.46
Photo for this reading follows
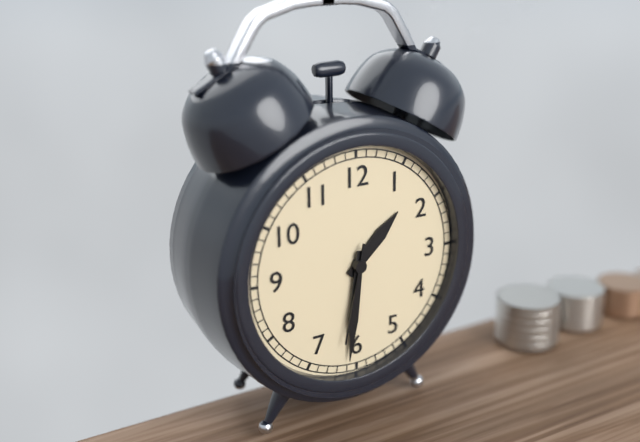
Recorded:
1.31.32
